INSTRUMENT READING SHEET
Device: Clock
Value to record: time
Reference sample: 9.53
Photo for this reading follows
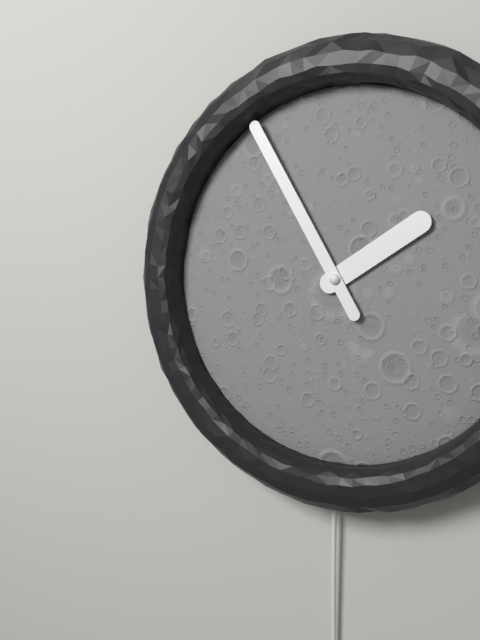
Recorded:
1.55
